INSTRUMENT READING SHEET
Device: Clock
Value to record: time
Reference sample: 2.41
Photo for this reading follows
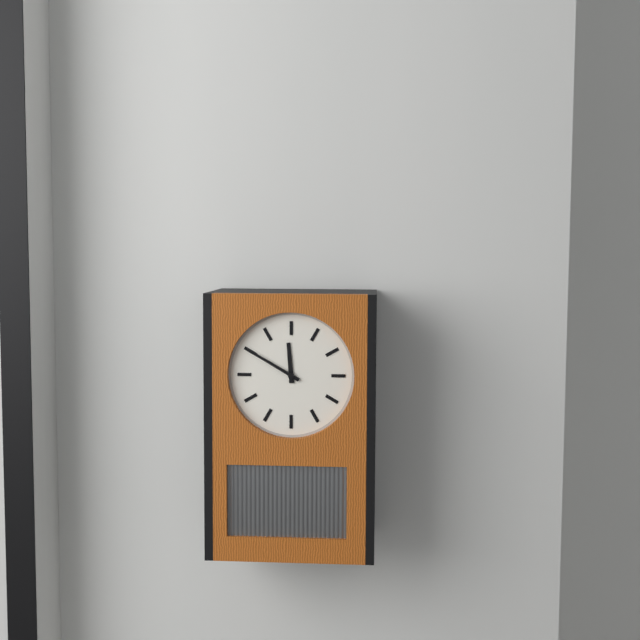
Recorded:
11.50
